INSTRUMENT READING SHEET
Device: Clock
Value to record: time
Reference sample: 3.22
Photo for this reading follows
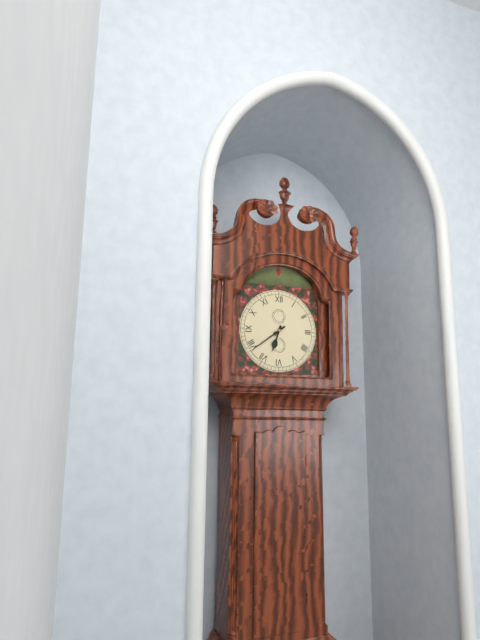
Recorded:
6.39
